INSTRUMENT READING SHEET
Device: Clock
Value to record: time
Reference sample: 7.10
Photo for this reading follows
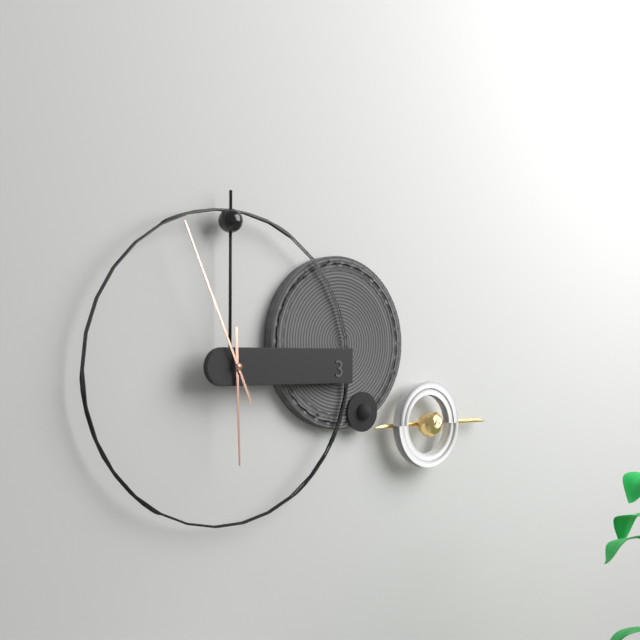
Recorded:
5.56
